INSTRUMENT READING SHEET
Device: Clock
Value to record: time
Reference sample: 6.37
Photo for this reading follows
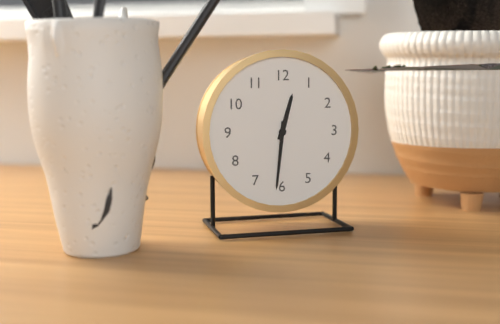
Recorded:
12.31
